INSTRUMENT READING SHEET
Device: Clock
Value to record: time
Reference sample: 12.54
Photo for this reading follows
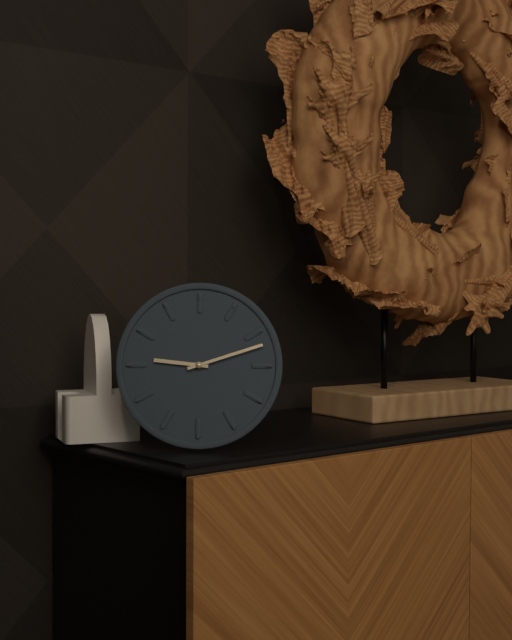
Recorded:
9.12
